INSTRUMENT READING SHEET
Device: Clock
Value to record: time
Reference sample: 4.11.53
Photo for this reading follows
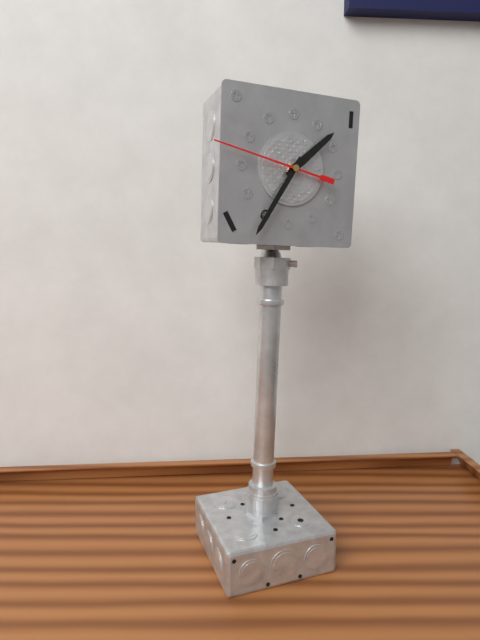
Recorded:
1.35.47
